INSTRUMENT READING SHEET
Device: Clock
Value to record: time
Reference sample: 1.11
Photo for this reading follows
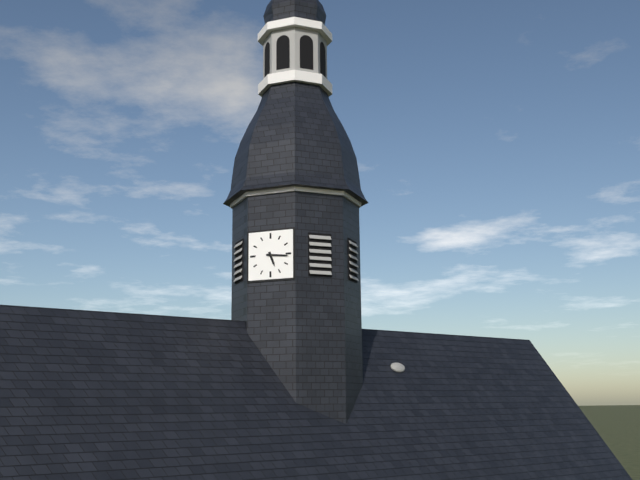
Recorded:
5.16
